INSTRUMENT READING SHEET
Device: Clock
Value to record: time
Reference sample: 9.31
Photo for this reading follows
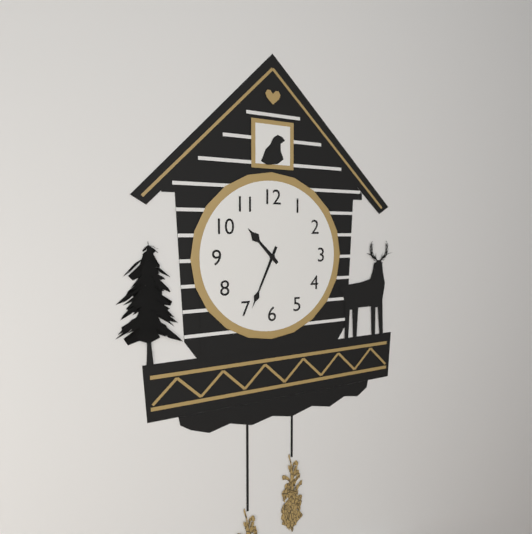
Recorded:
10.34
